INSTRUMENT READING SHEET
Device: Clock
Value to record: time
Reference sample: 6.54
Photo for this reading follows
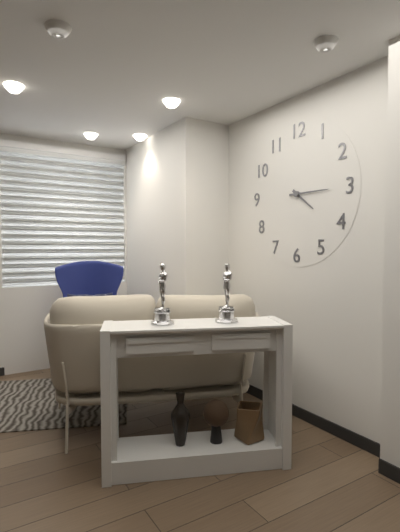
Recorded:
4.15
